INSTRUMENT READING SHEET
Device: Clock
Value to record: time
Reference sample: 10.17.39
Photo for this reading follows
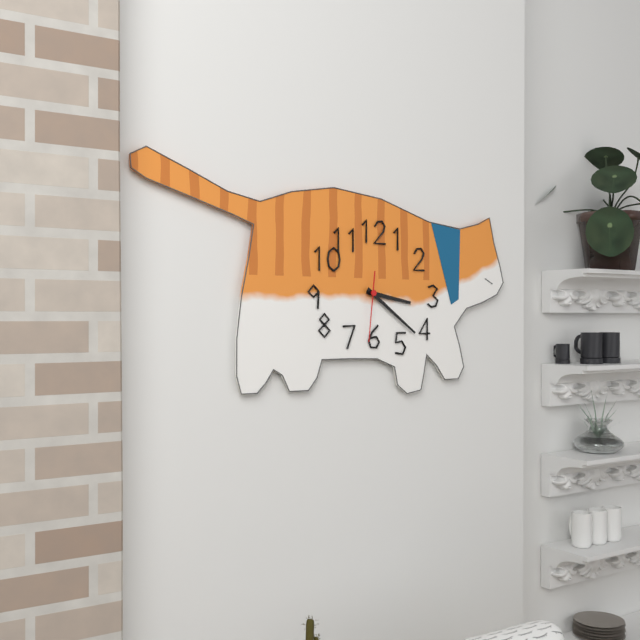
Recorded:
3.21.31
